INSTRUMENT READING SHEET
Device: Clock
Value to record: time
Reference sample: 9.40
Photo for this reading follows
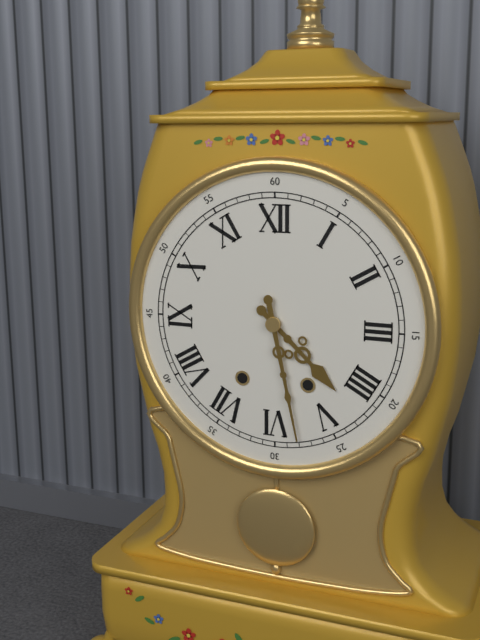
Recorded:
4.28
